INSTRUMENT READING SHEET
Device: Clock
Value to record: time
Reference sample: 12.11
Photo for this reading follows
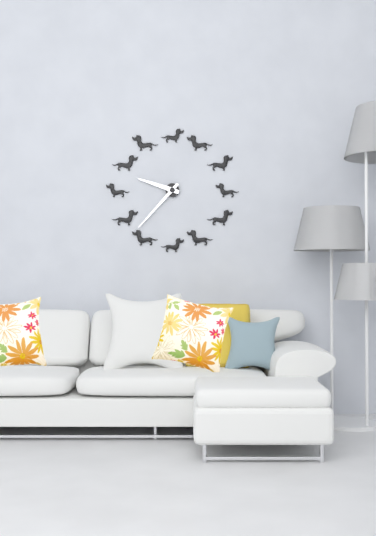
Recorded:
9.37
